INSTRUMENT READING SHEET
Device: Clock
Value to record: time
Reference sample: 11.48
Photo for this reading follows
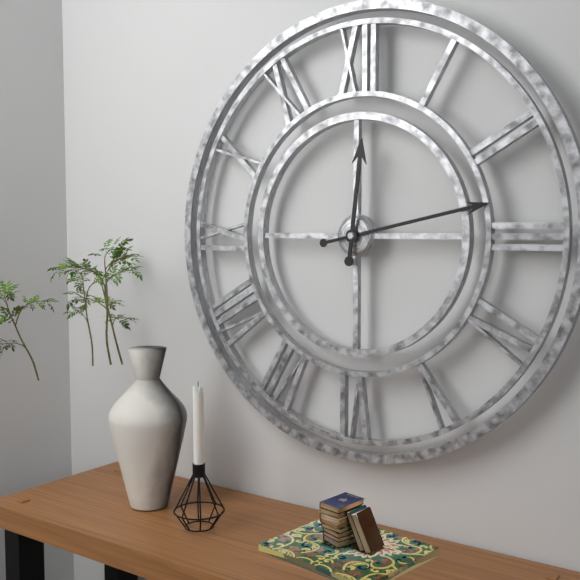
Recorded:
12.13
